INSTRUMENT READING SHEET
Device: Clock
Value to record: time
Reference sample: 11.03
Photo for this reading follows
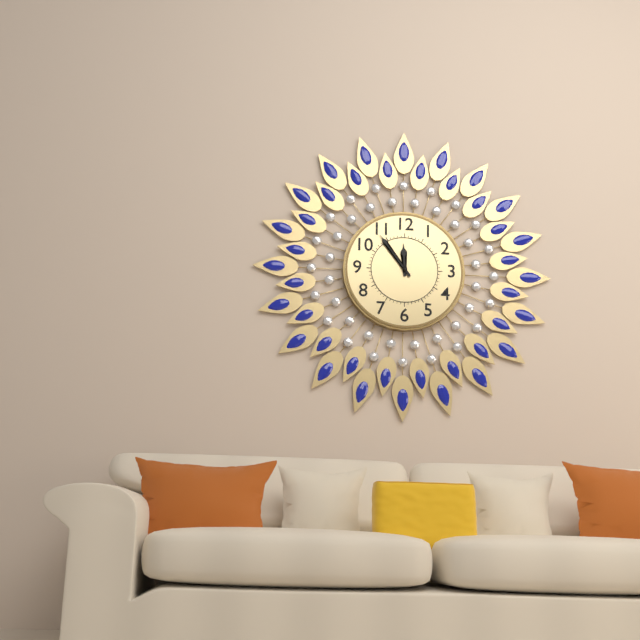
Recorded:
11.54
